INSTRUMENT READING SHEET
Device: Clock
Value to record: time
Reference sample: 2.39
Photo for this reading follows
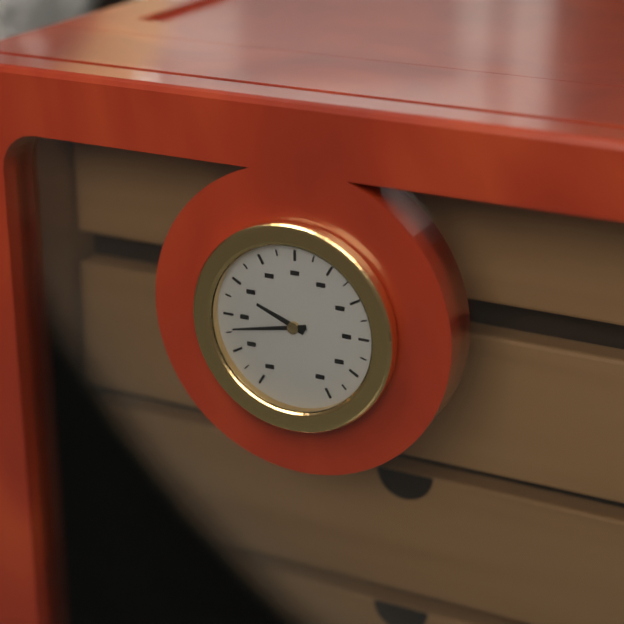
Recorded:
9.43
